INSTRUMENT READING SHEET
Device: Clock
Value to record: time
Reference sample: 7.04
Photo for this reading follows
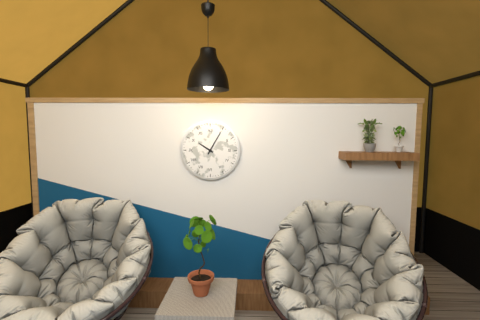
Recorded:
10.05
